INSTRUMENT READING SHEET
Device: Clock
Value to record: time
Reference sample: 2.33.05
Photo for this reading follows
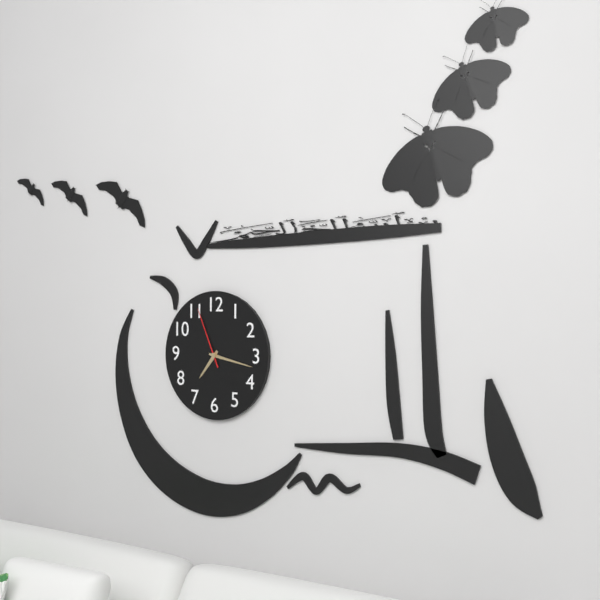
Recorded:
7.17.56
